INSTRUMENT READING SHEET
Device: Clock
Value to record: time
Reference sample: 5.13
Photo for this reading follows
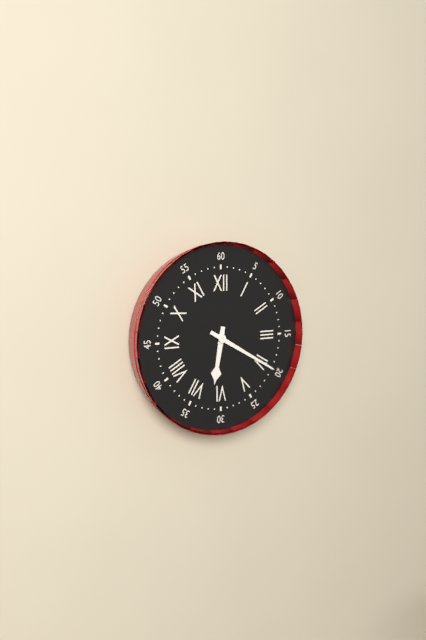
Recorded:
6.20
